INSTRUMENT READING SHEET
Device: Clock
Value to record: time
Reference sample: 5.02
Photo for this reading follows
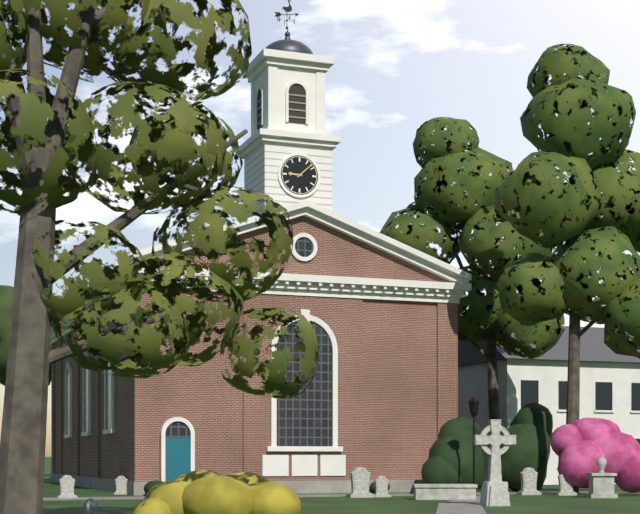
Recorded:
9.08
